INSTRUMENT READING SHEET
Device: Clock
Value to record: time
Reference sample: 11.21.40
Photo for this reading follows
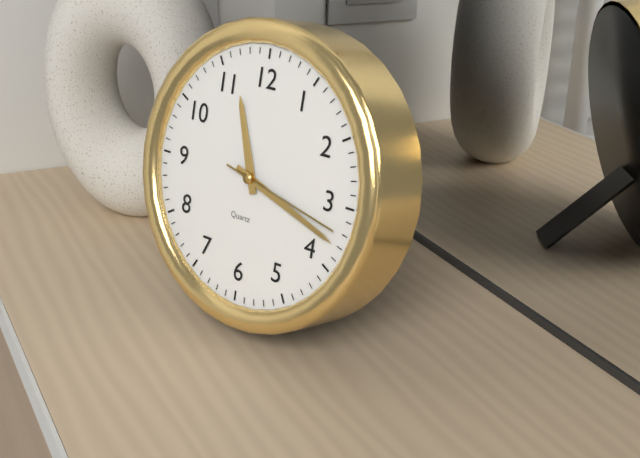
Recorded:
11.18.17
